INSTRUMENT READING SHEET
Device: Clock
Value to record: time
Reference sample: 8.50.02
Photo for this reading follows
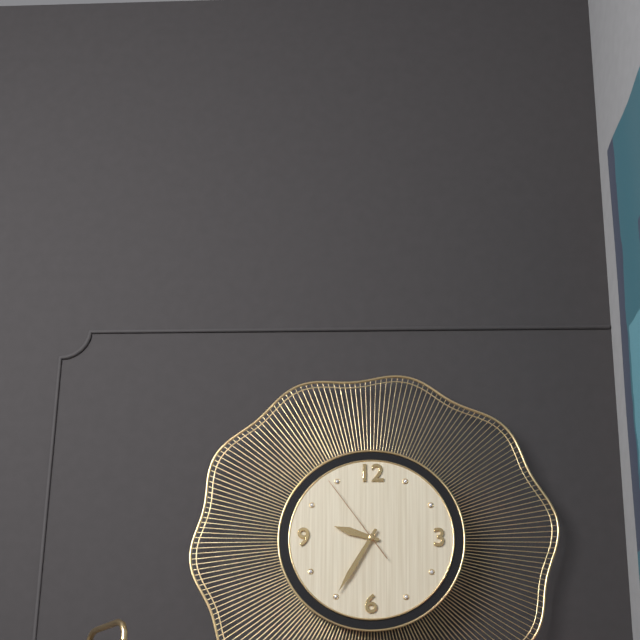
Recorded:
9.35.54
